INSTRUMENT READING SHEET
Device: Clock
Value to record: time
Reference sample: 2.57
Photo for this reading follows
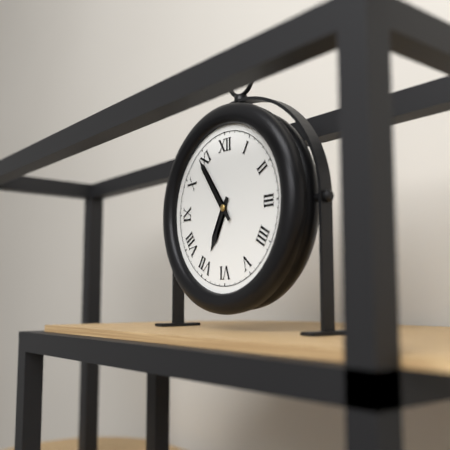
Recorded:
6.54
